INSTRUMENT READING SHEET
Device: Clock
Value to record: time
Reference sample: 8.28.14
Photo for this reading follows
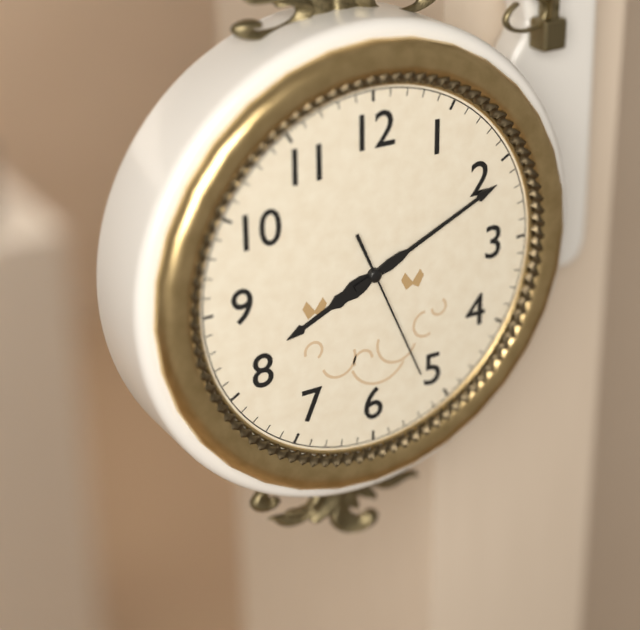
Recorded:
8.11.26
